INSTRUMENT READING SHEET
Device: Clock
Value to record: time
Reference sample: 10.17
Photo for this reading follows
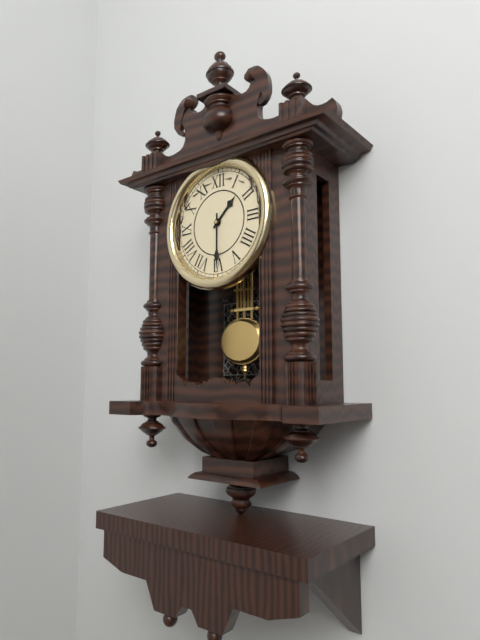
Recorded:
1.30
